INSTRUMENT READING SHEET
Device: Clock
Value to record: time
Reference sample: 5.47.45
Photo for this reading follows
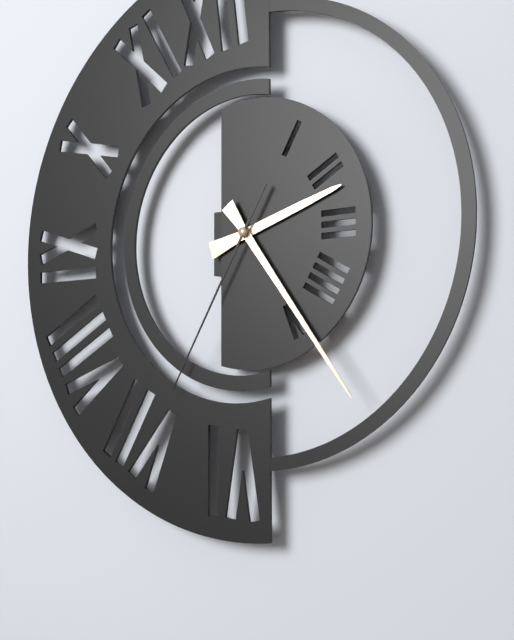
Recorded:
2.24.35
